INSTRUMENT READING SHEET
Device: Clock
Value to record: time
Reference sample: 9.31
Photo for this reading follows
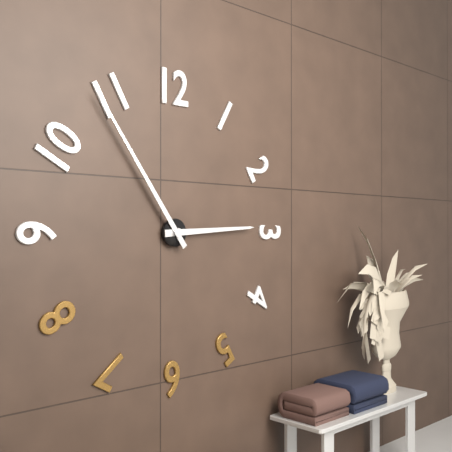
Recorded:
2.54
